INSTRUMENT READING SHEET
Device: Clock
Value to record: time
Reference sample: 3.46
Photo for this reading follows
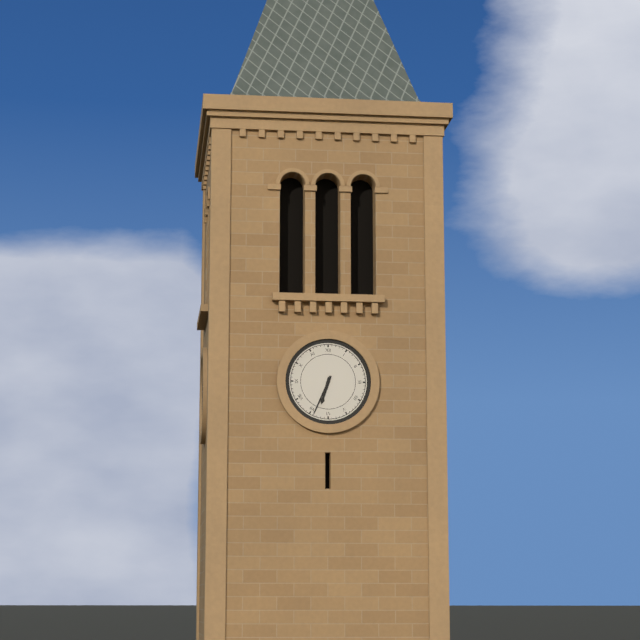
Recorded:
6.34
